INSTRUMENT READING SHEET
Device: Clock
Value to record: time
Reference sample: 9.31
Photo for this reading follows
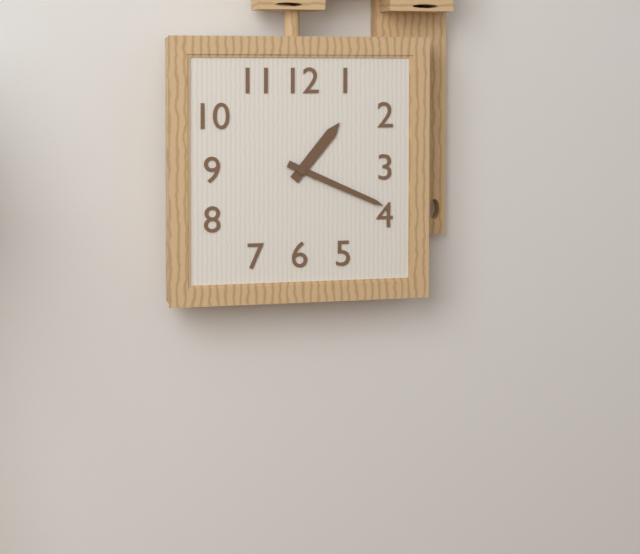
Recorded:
1.19
